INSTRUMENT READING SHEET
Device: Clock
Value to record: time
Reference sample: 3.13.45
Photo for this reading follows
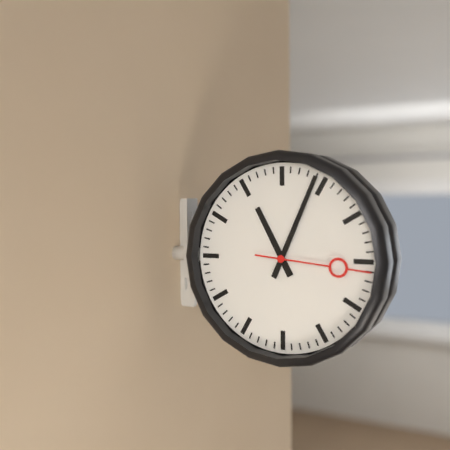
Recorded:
11.04.16
